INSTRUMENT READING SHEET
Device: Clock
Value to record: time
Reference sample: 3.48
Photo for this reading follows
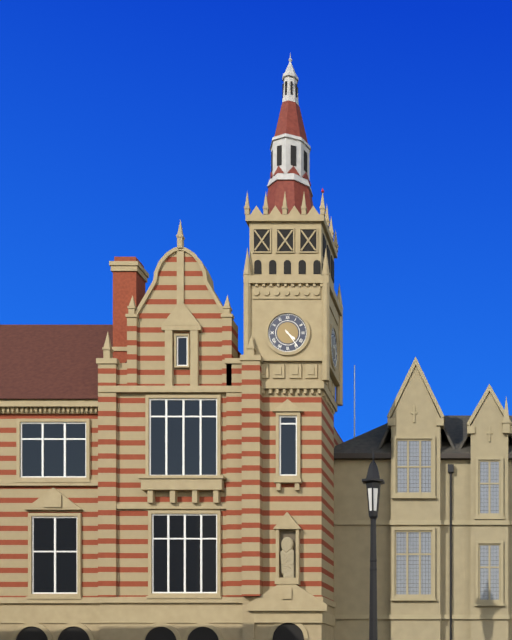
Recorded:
4.24
